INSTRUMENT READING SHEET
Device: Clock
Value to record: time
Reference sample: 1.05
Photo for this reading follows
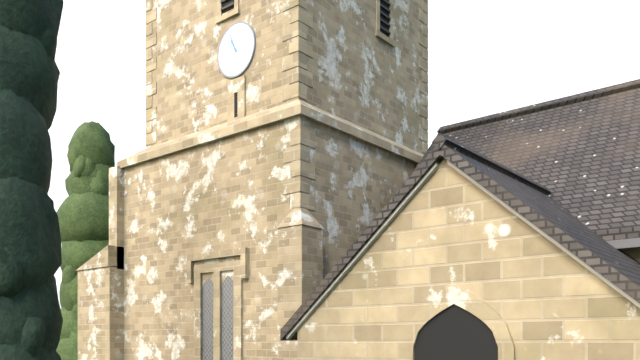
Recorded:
10.56
